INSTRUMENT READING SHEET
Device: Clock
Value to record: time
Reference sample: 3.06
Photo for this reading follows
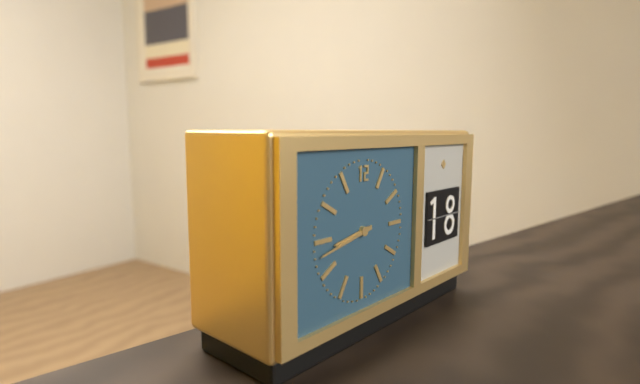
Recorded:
8.43
